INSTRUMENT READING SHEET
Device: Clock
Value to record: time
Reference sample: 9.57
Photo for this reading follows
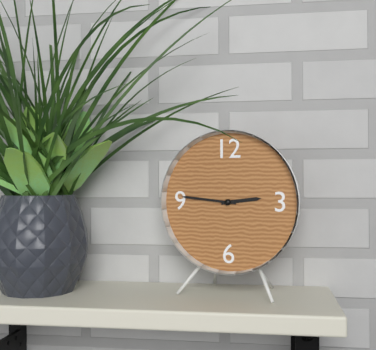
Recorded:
2.46
